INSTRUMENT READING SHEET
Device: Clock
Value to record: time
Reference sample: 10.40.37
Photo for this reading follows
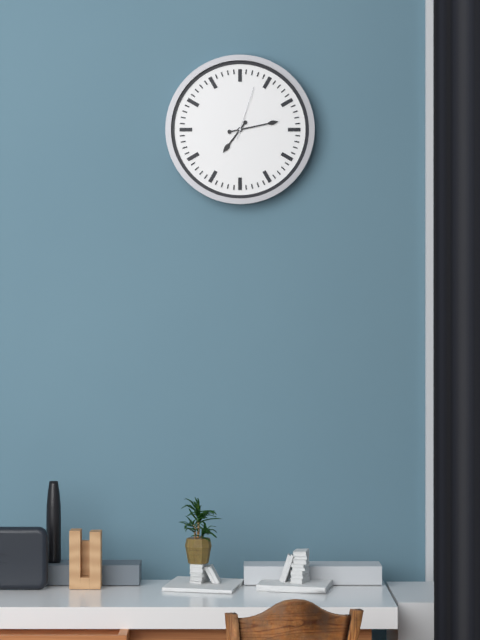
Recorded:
7.13.03
